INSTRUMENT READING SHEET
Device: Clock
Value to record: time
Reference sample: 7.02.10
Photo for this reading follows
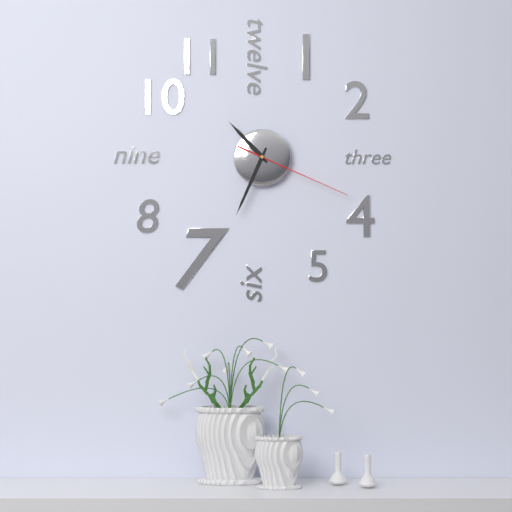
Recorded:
10.34.19
